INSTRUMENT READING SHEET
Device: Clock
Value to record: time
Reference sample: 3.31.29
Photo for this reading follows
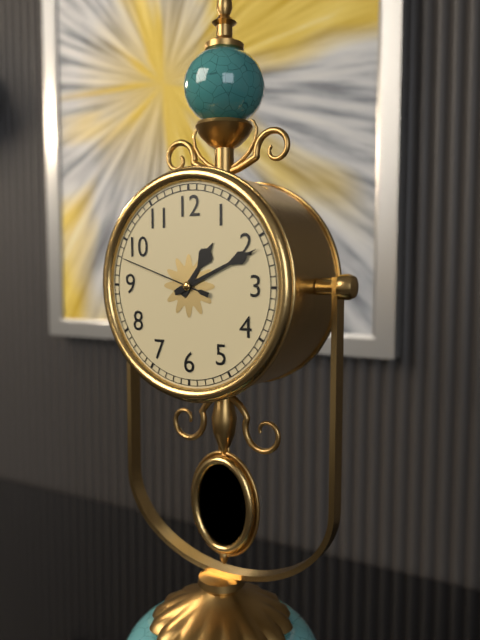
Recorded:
1.11.48
